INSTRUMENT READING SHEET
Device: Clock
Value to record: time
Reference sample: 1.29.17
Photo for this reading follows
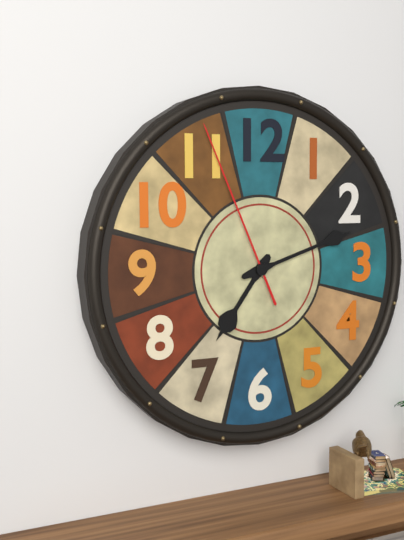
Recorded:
7.12.56
